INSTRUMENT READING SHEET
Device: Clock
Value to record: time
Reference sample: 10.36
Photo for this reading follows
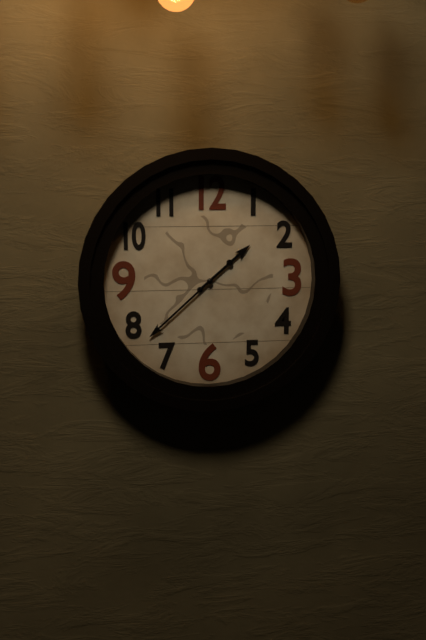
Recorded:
1.38
